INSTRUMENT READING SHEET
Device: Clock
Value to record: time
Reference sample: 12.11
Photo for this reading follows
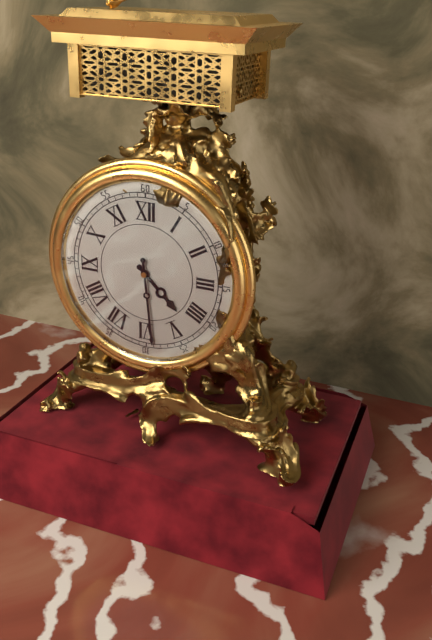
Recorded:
4.29
